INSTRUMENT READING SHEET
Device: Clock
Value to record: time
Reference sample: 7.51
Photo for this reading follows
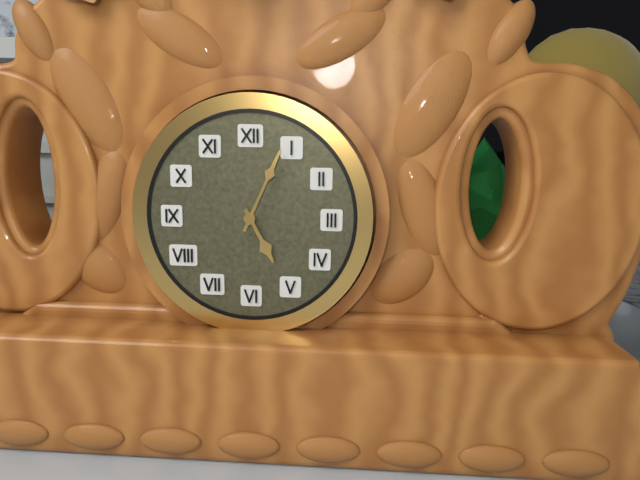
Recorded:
5.04
